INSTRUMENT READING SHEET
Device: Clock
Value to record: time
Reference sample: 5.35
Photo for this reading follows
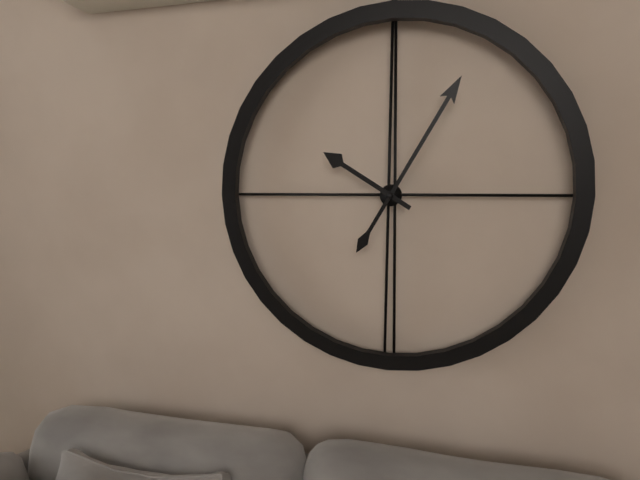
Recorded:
10.05
